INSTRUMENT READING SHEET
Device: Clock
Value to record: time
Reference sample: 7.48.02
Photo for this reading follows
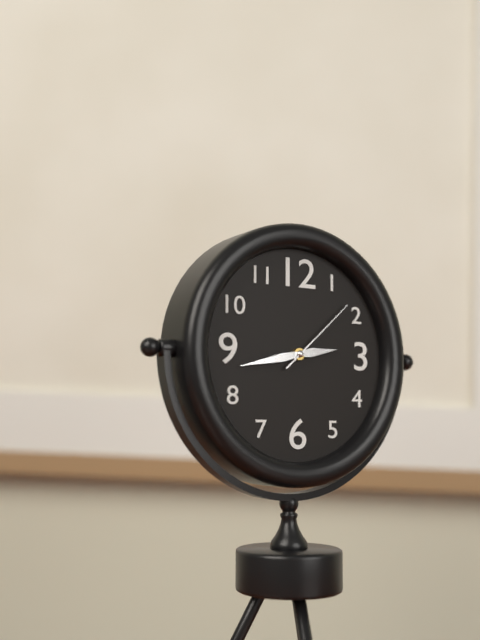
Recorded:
2.43.08
